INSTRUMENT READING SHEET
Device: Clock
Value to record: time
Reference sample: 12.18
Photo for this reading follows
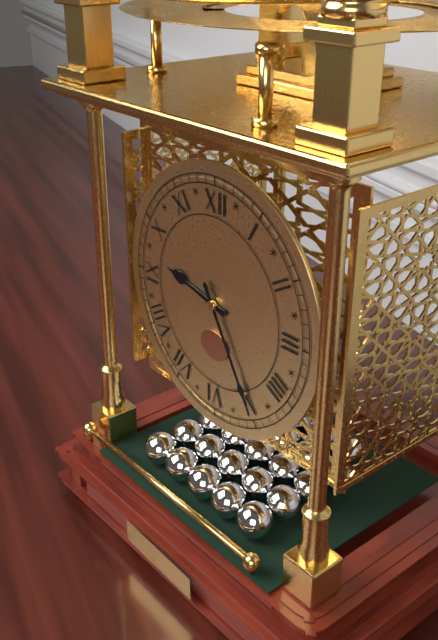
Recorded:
9.25
